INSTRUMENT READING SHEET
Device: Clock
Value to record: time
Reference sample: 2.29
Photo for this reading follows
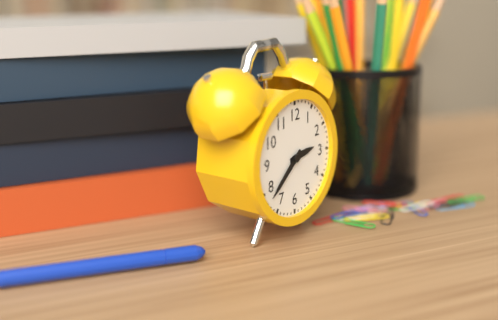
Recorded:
2.38
